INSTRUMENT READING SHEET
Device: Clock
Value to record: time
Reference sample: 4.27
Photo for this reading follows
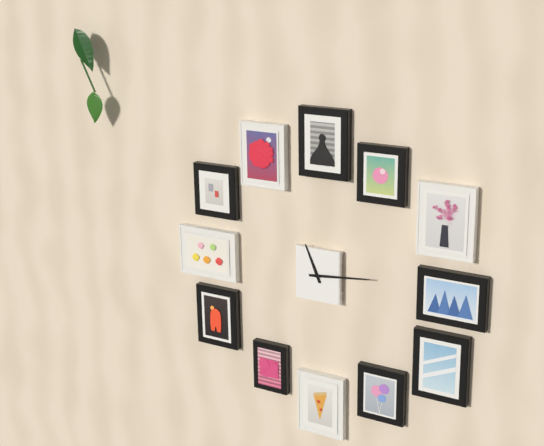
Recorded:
11.14
